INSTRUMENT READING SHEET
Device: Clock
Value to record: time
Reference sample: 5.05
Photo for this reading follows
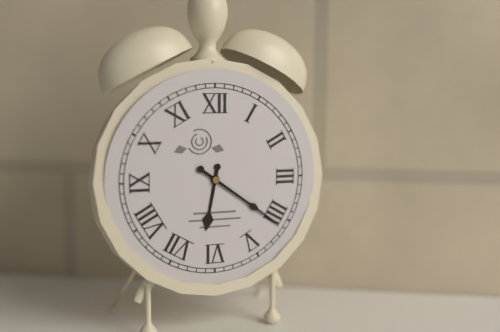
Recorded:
6.21
